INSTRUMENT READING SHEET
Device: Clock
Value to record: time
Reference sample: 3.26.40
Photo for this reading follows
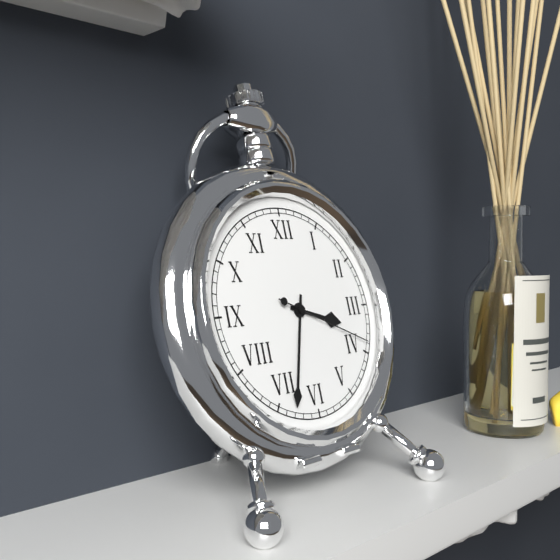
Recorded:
3.33.19
